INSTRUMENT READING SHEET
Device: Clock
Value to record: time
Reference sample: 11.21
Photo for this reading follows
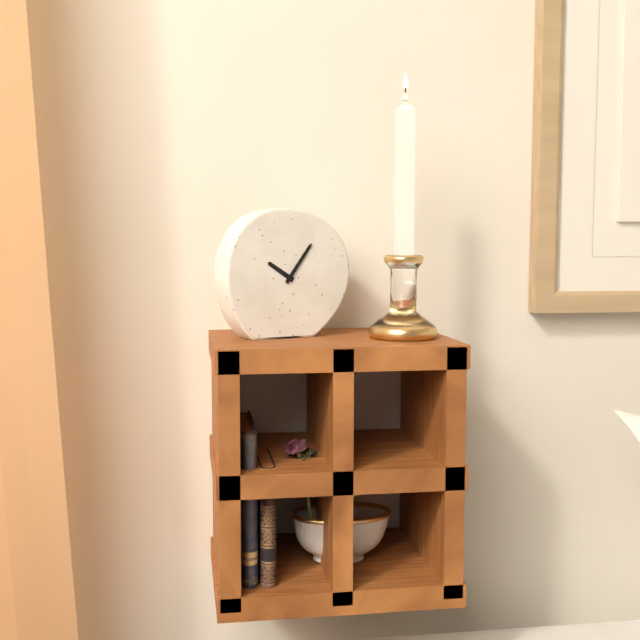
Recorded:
10.06
